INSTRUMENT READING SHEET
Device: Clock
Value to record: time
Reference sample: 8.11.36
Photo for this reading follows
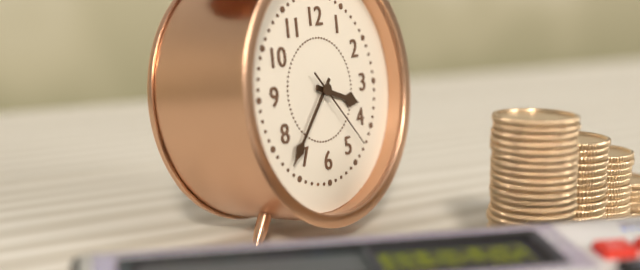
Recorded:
3.37.23
